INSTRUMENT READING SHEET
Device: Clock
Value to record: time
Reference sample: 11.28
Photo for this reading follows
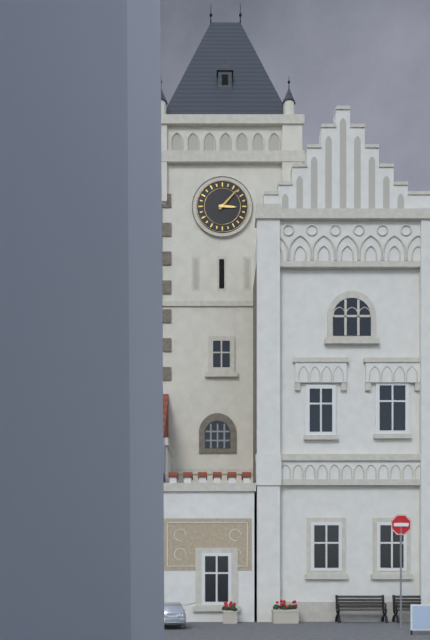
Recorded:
3.07
